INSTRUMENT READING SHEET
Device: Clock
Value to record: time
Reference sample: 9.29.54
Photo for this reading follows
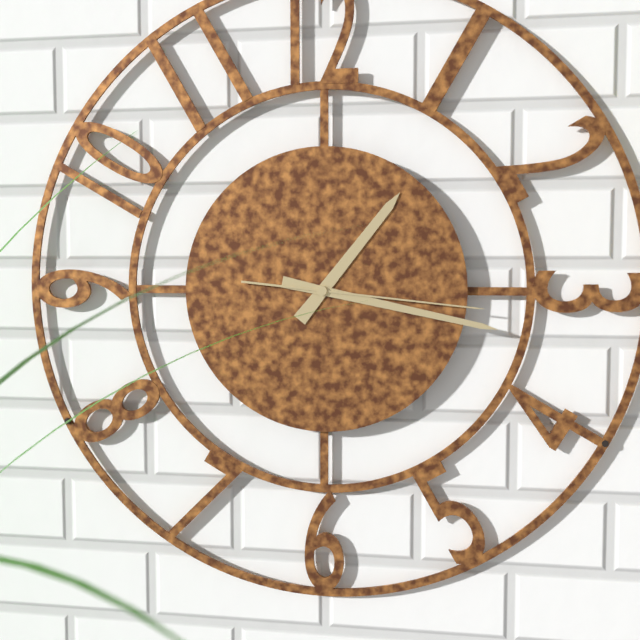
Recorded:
1.17.16
